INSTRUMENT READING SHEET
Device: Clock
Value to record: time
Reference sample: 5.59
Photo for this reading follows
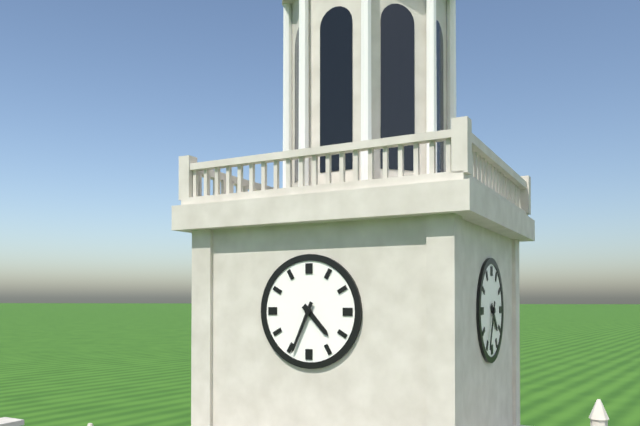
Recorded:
4.34
